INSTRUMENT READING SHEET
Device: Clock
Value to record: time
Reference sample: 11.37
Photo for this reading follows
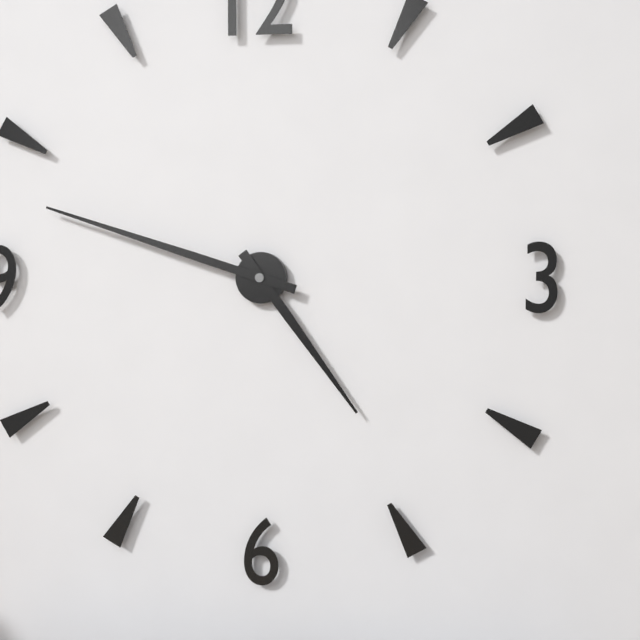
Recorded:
4.48
